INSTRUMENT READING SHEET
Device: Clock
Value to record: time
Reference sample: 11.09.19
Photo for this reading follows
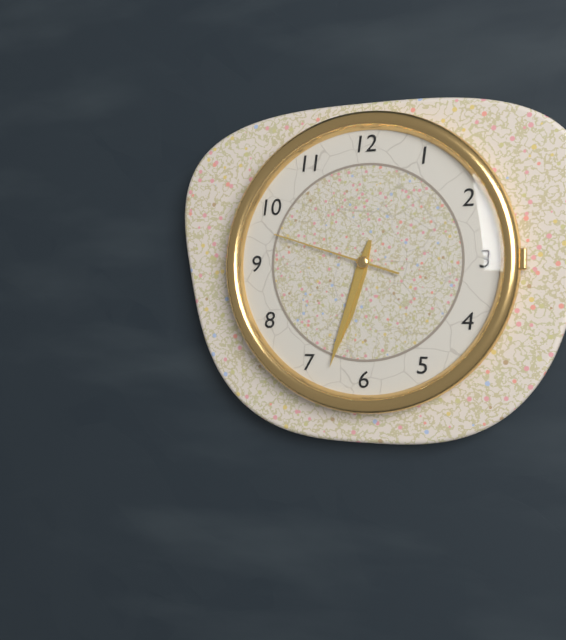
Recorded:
6.33.48
